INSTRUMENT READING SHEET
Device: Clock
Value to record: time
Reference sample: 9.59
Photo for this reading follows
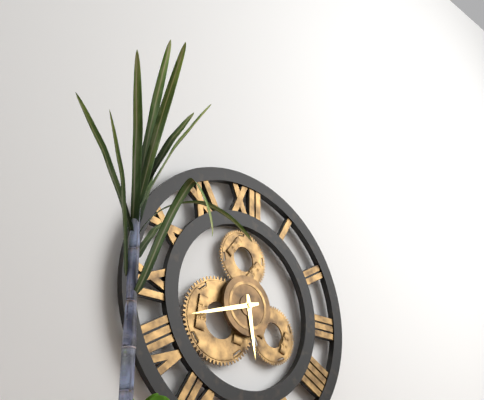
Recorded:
5.42
